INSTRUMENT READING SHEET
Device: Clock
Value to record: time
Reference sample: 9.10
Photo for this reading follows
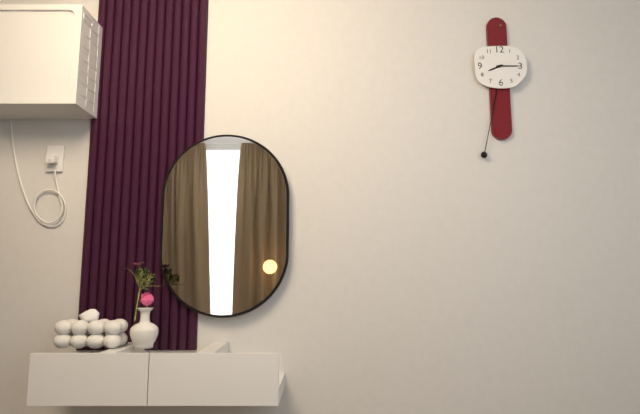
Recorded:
8.15
